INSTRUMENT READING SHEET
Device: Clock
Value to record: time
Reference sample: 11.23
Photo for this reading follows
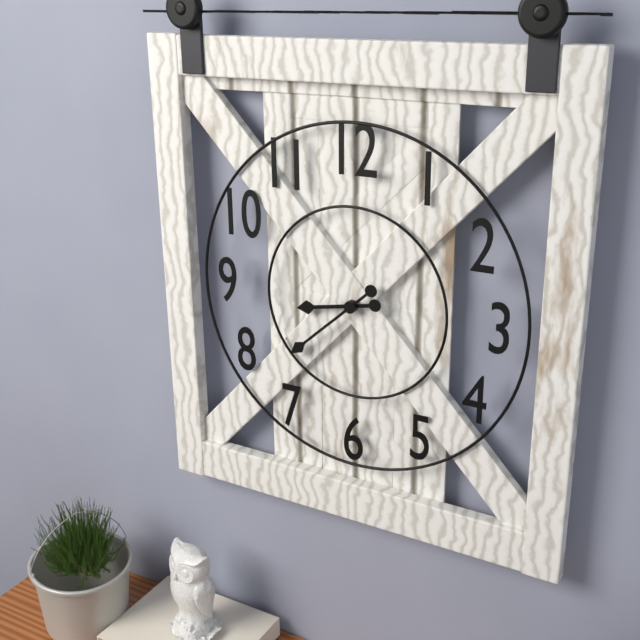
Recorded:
8.38
